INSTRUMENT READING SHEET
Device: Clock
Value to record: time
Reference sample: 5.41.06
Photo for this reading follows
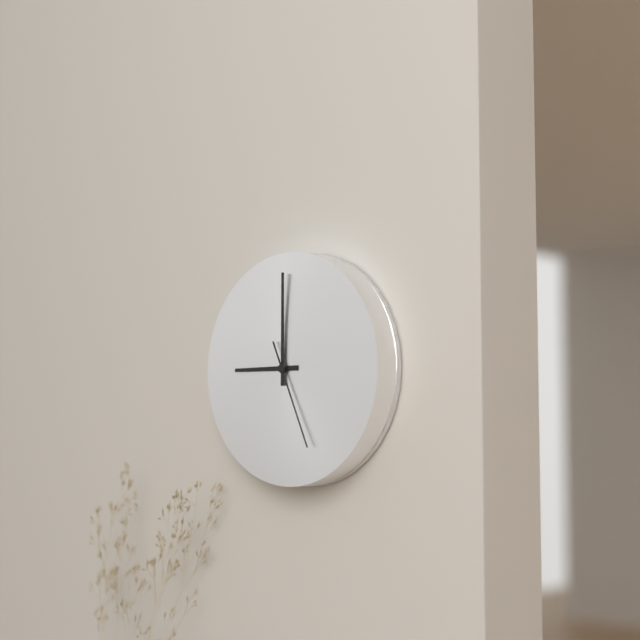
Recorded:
9.00.26
